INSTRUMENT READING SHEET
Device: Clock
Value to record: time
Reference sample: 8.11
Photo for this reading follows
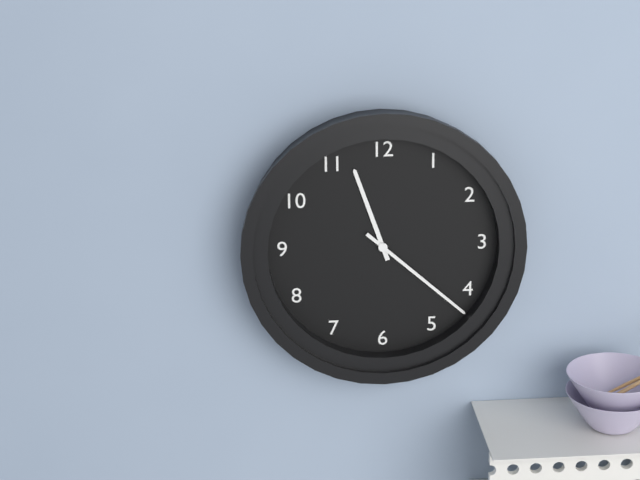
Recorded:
11.22
